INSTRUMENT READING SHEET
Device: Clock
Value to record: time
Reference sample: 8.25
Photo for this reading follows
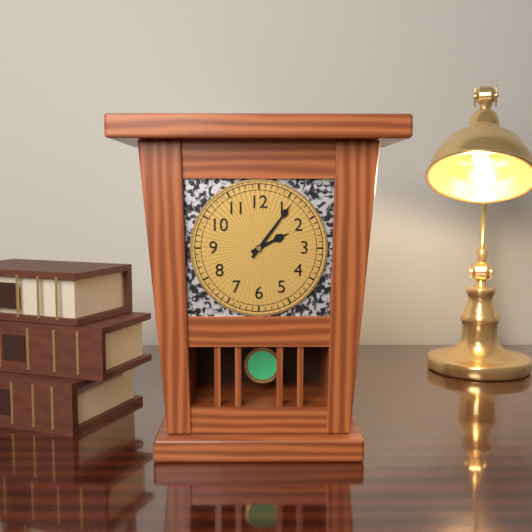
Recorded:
2.06
